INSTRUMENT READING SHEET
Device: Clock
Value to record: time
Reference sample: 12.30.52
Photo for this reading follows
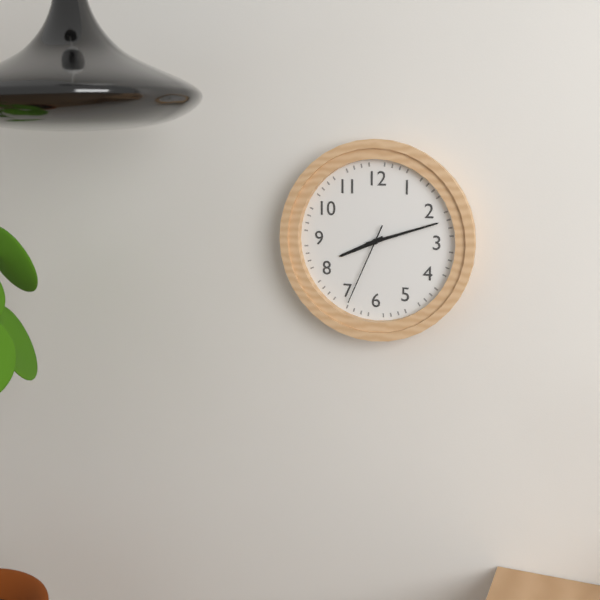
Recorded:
8.12.34
